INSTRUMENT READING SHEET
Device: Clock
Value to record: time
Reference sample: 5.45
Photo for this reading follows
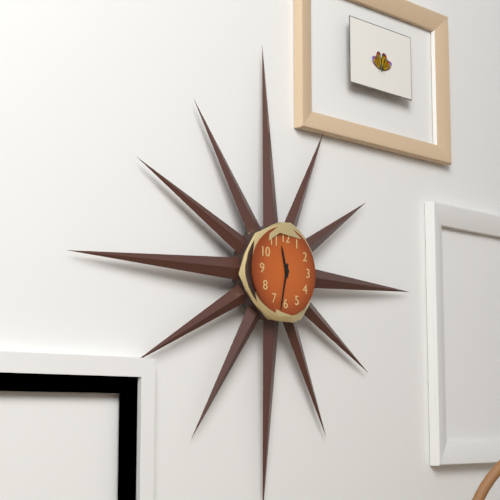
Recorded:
11.32
